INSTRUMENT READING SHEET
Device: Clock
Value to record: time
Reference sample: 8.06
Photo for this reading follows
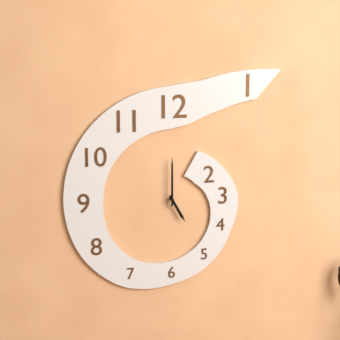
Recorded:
5.00
